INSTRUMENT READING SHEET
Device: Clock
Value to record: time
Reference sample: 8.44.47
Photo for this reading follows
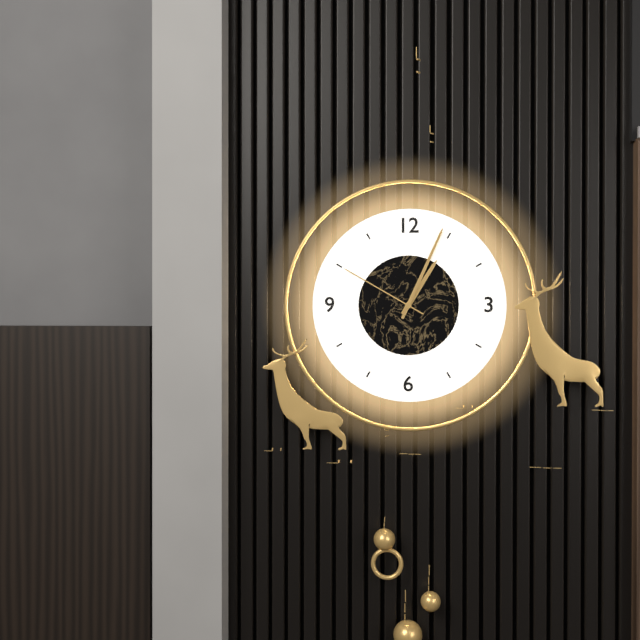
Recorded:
1.04.50
